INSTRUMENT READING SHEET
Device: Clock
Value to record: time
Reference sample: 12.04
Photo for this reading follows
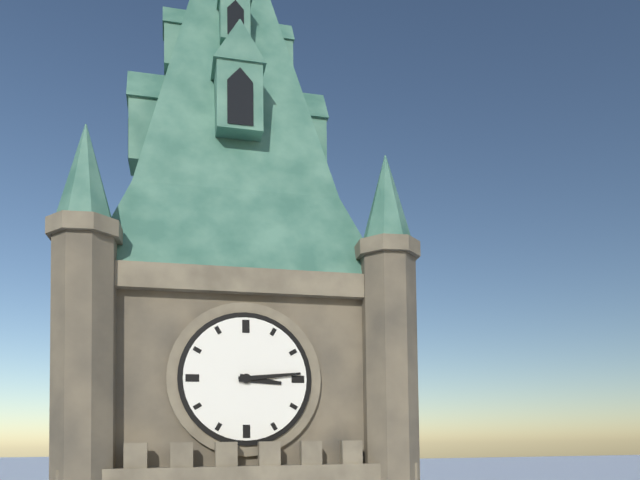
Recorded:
3.14
